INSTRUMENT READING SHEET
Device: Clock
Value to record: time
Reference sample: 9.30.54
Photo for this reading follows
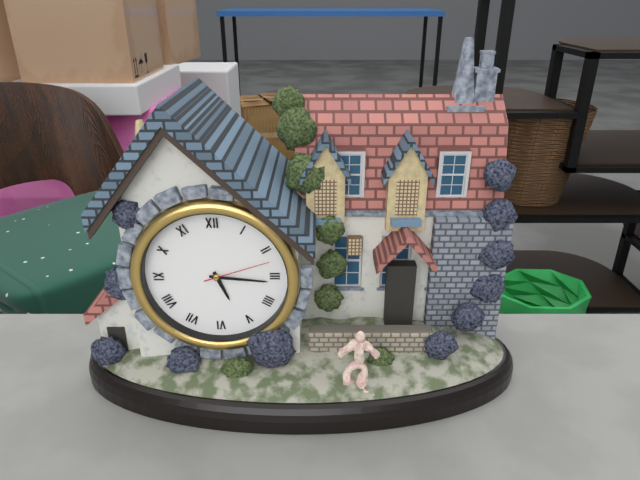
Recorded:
5.16.12
